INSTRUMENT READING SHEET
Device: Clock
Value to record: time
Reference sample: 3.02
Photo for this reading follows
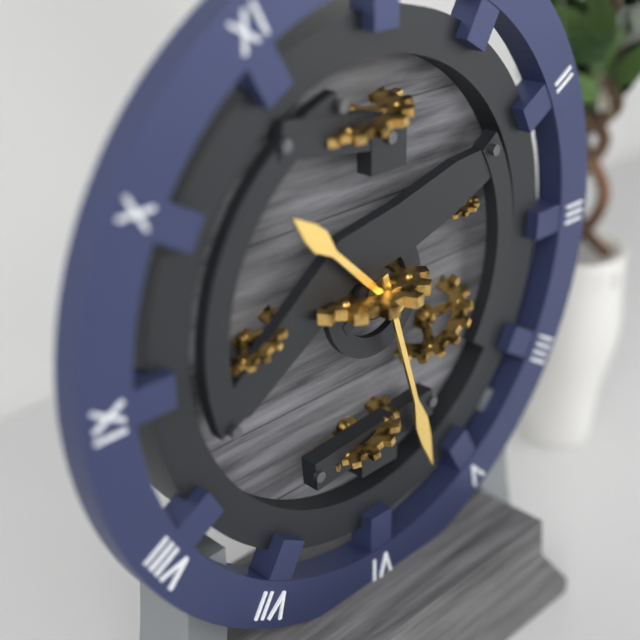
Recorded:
10.27
